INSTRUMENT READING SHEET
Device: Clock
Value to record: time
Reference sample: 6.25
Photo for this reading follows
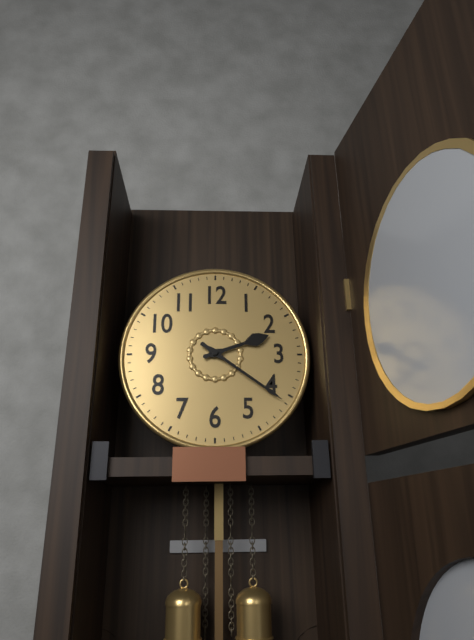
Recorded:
2.21
